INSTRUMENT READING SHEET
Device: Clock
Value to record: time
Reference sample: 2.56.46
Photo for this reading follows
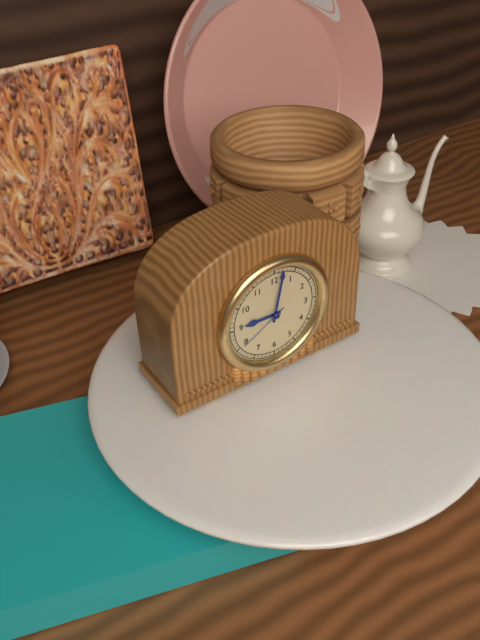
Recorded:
9.02.40
